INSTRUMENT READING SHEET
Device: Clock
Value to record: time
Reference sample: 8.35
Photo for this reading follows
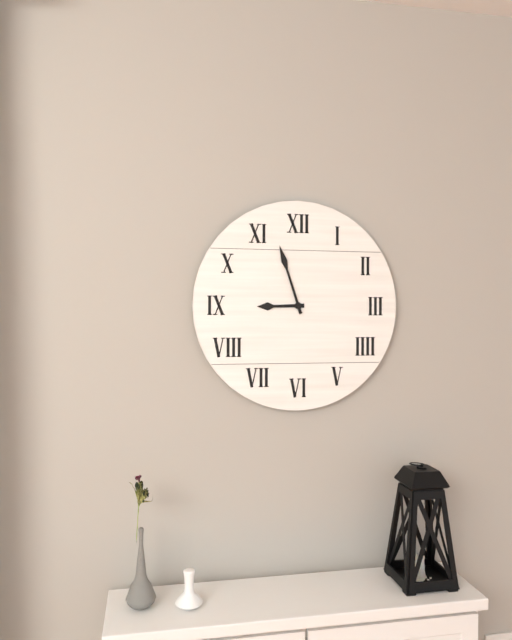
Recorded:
8.57
